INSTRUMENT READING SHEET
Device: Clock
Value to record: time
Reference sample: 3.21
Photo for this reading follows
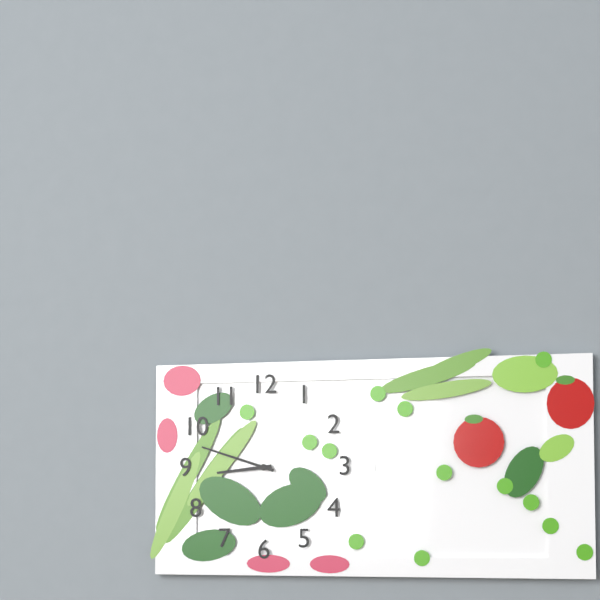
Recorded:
8.48
